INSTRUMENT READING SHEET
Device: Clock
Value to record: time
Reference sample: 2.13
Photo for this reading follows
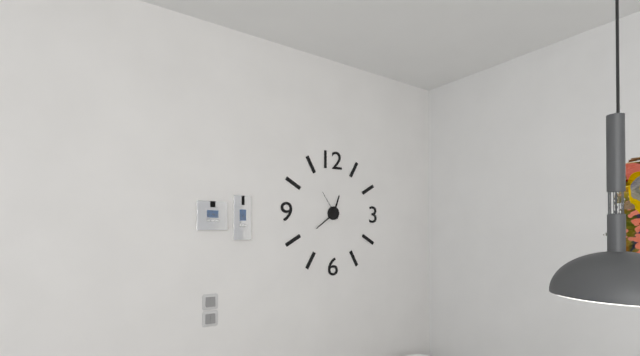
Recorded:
12.39
